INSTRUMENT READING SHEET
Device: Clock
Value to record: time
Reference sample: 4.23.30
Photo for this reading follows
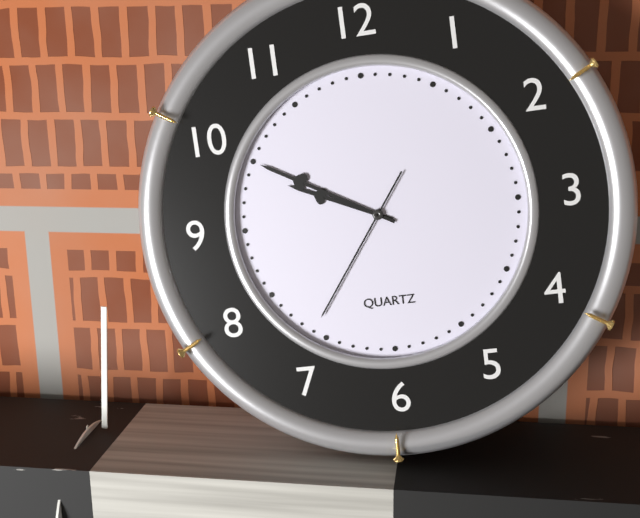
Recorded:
9.50.36
